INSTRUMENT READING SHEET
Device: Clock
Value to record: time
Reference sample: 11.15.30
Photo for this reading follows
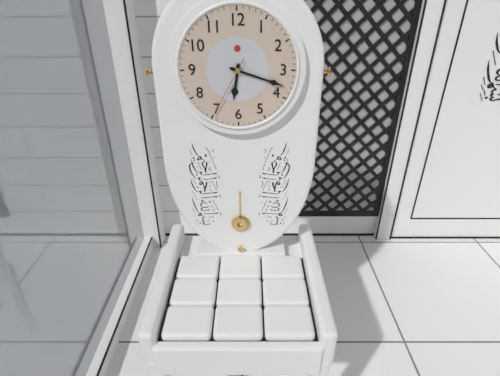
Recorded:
6.18.35
